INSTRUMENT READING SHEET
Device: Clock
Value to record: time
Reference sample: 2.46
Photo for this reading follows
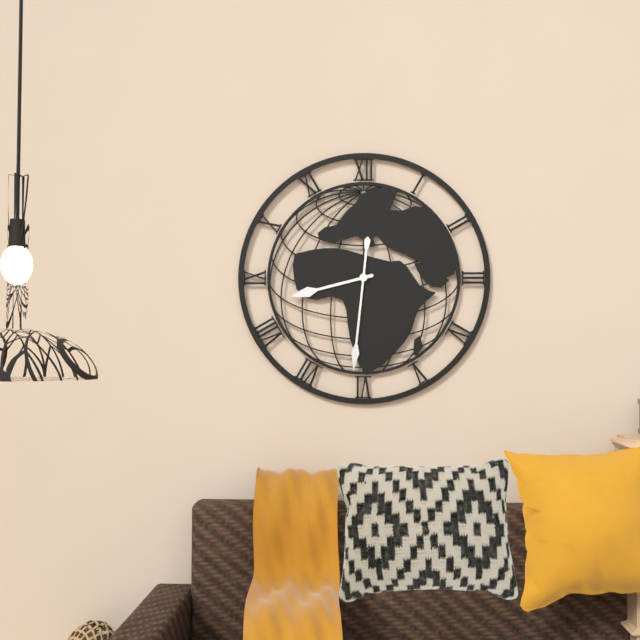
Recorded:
8.31
